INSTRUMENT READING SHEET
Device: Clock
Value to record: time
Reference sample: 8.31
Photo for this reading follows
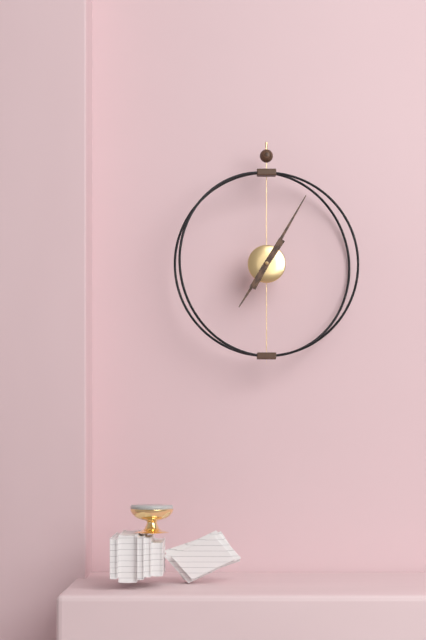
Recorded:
7.05
